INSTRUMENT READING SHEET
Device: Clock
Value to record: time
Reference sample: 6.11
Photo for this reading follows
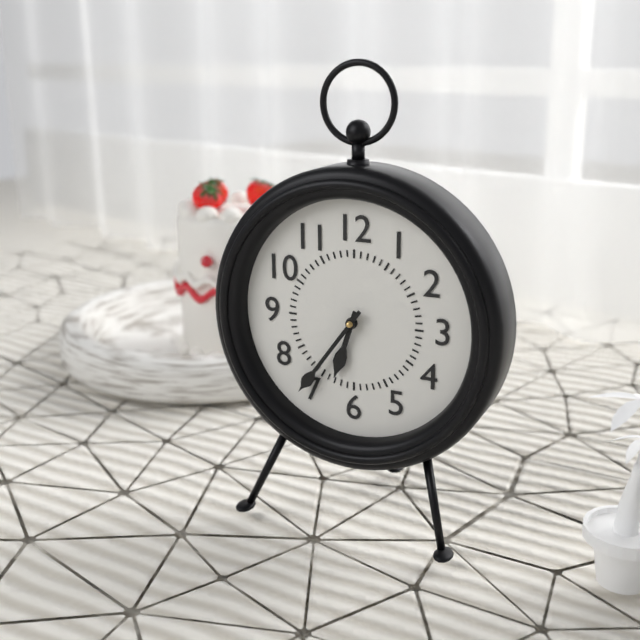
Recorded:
6.36
